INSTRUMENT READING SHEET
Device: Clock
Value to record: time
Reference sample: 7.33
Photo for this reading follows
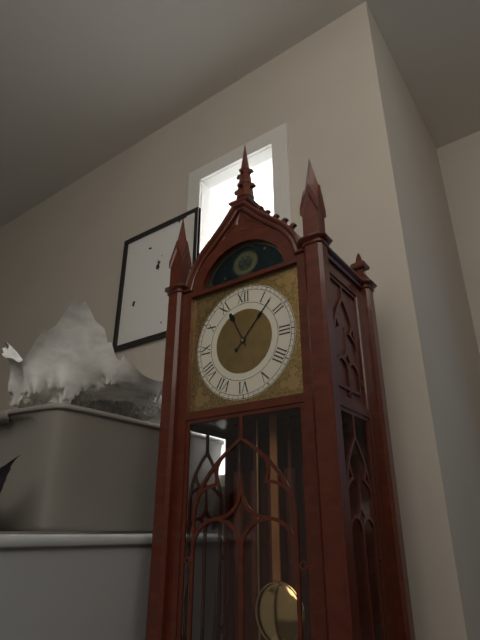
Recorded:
11.07
